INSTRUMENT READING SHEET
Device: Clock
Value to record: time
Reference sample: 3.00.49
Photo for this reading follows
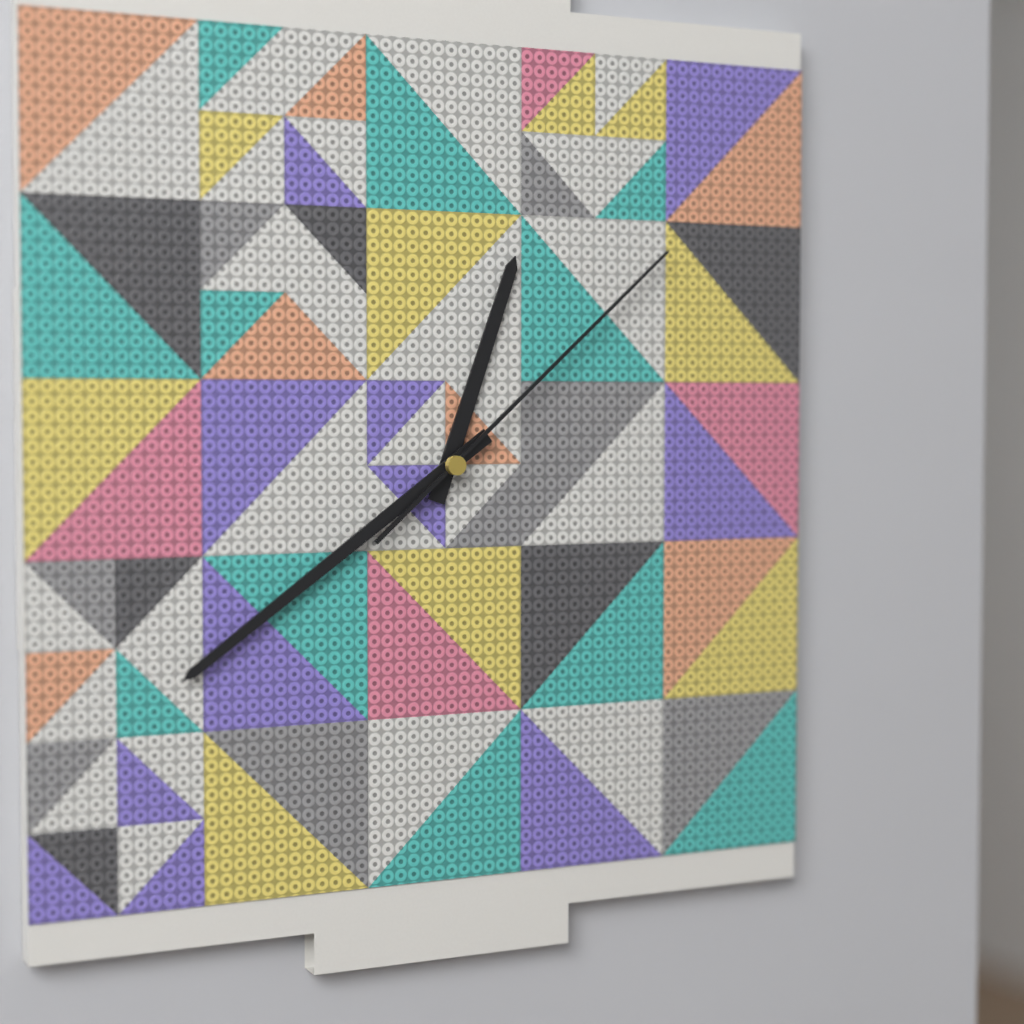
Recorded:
12.39.08
